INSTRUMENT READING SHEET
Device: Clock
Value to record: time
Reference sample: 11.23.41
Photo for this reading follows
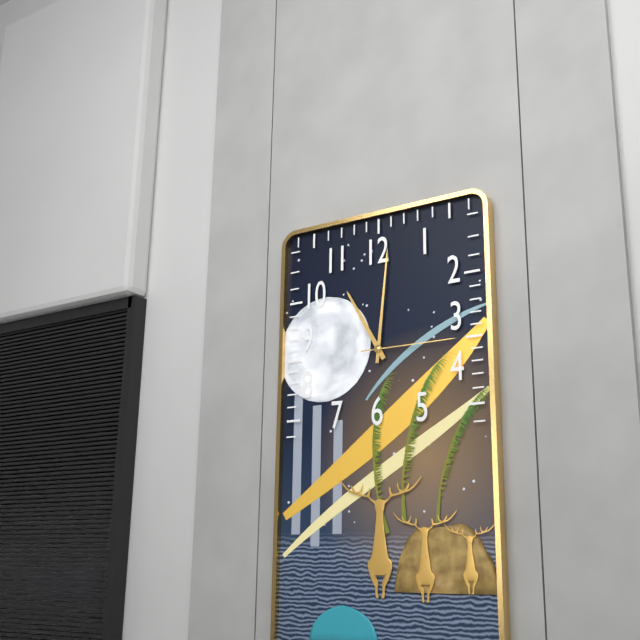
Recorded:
11.01.15
